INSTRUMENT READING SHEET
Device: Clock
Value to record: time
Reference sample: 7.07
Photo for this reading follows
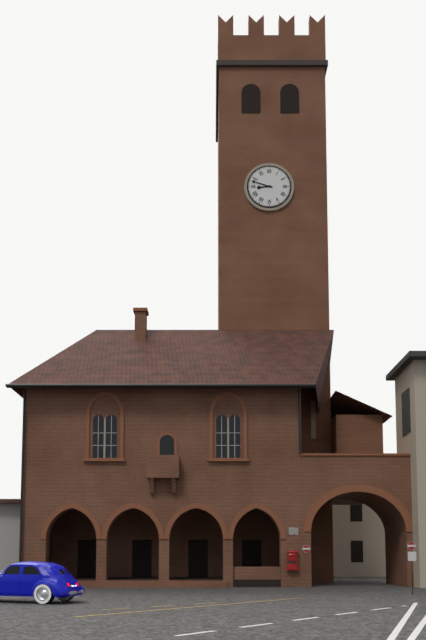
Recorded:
8.48
